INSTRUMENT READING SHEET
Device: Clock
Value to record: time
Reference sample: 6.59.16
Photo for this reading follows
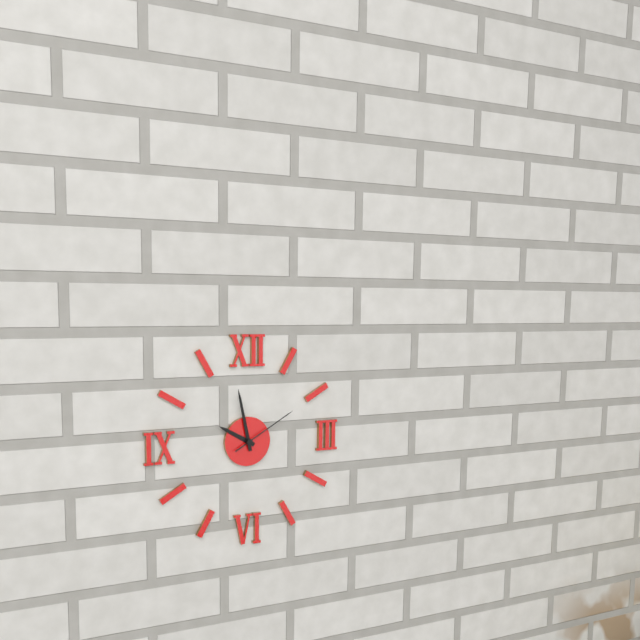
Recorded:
9.58.10
